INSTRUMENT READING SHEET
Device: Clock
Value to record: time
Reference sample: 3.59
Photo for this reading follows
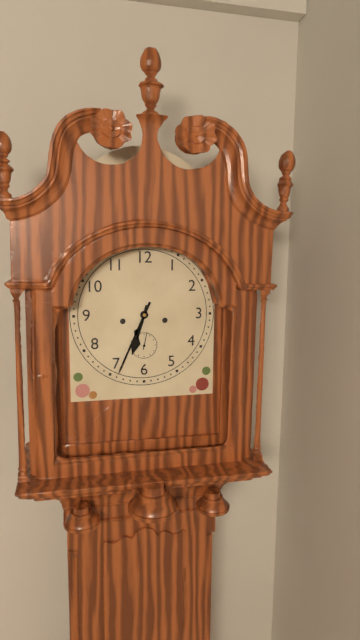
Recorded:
6.34
